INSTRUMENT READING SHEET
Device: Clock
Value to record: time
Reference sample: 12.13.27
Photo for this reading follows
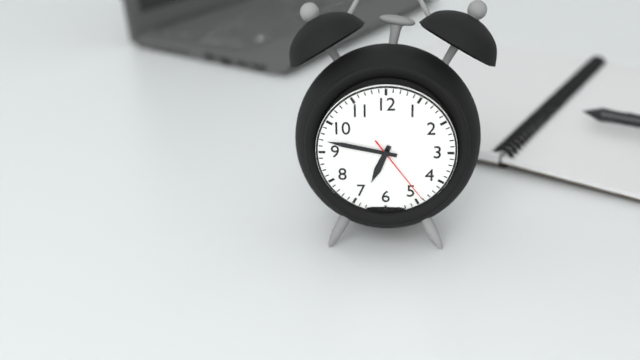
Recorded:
6.47.24
